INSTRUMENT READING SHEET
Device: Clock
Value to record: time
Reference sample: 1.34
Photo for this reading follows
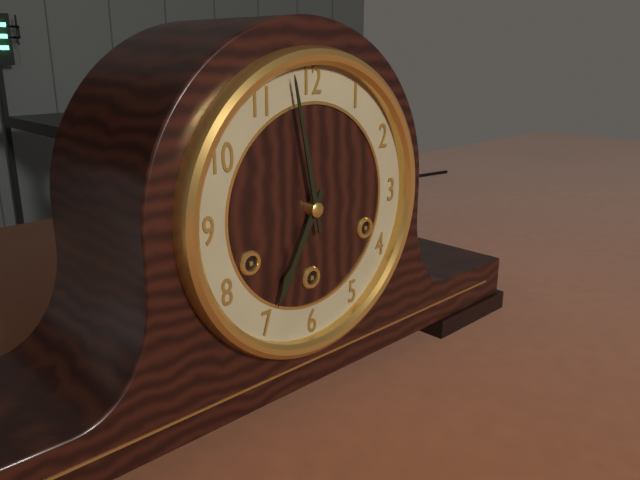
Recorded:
6.58
